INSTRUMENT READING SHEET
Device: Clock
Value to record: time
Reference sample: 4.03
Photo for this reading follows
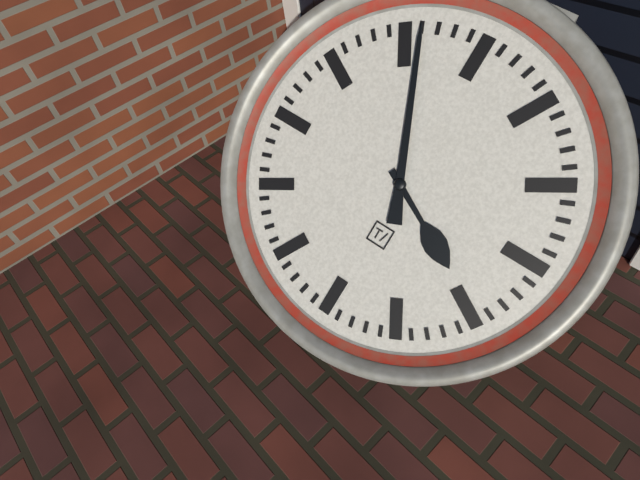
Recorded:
3.56
